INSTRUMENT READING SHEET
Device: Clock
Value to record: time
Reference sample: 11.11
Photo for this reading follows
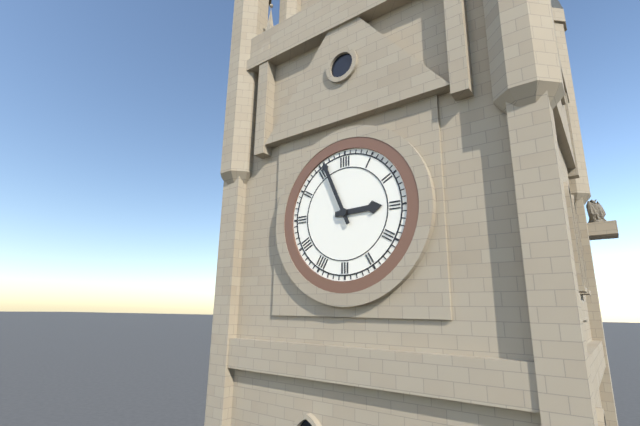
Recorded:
2.56
